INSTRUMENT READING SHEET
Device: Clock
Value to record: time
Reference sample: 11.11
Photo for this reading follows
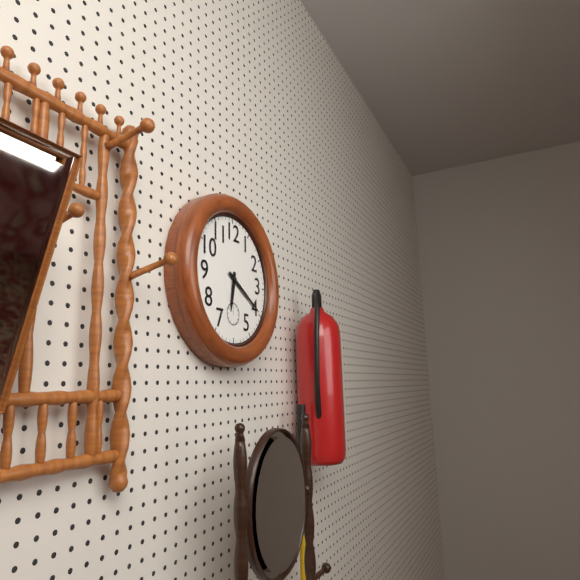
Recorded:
6.20
